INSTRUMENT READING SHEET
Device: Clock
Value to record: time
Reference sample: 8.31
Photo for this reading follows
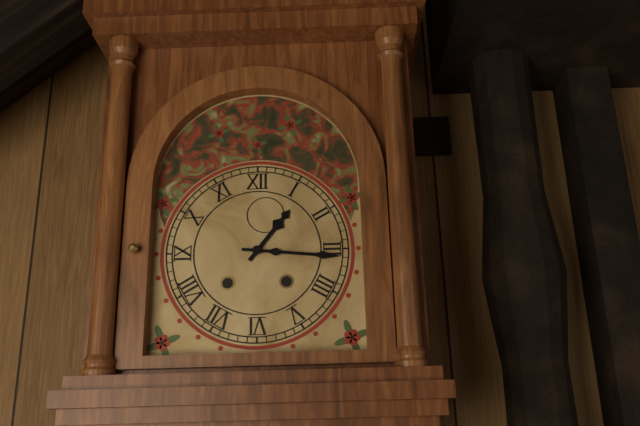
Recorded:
1.16
